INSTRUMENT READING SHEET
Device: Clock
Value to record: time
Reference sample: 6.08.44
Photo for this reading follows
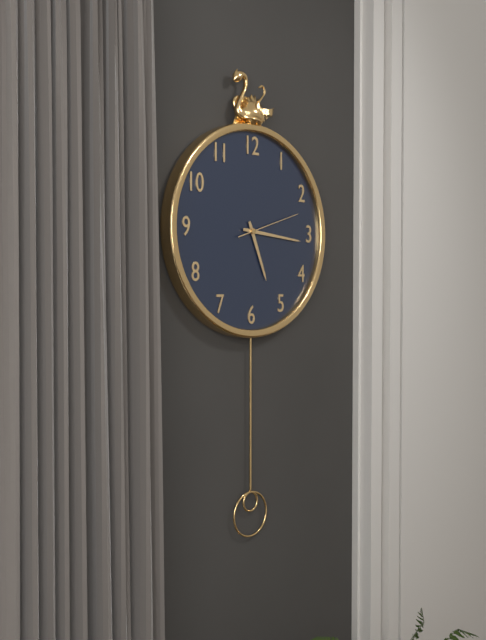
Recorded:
5.16.12
